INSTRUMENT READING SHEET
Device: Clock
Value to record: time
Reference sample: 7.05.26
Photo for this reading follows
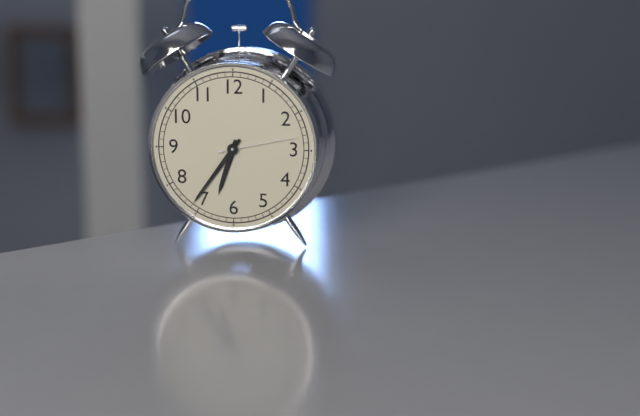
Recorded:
6.36.13
